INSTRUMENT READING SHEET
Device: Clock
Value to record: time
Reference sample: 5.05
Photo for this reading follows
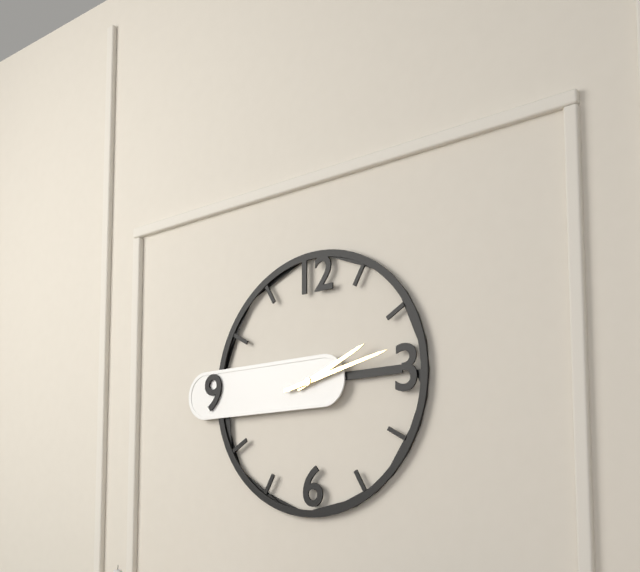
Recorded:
2.13
